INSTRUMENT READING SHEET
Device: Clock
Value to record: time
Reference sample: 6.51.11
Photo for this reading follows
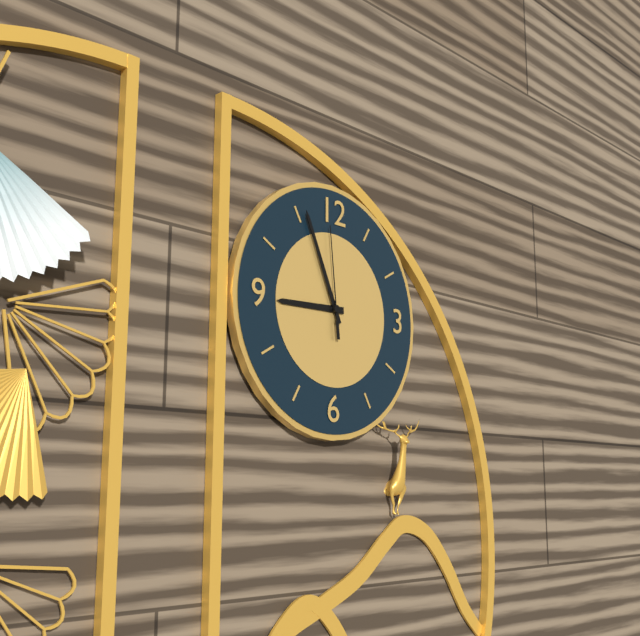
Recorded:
8.56.59
